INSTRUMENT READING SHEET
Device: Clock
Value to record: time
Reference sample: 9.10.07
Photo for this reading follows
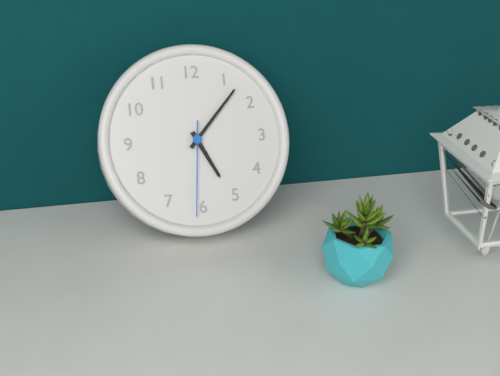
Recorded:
5.07.31
